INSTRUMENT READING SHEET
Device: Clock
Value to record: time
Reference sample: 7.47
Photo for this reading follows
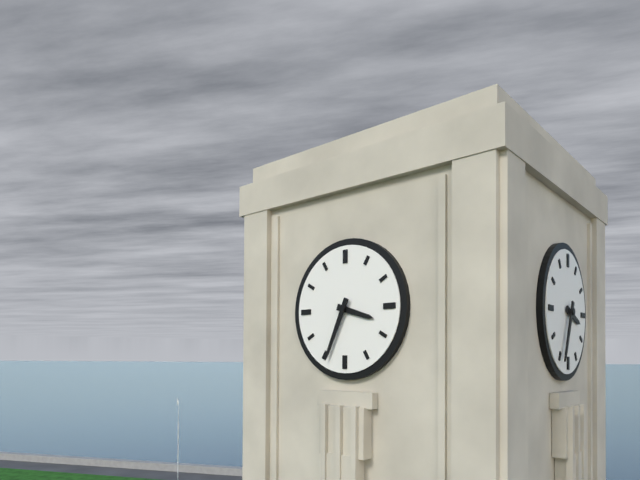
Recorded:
3.34
